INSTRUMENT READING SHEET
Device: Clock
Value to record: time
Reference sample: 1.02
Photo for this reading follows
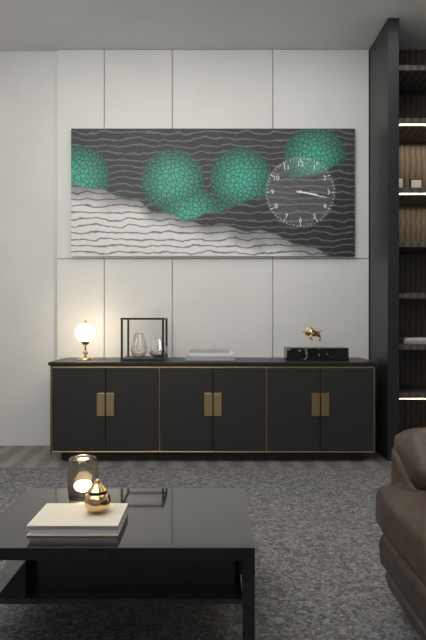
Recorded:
3.17
